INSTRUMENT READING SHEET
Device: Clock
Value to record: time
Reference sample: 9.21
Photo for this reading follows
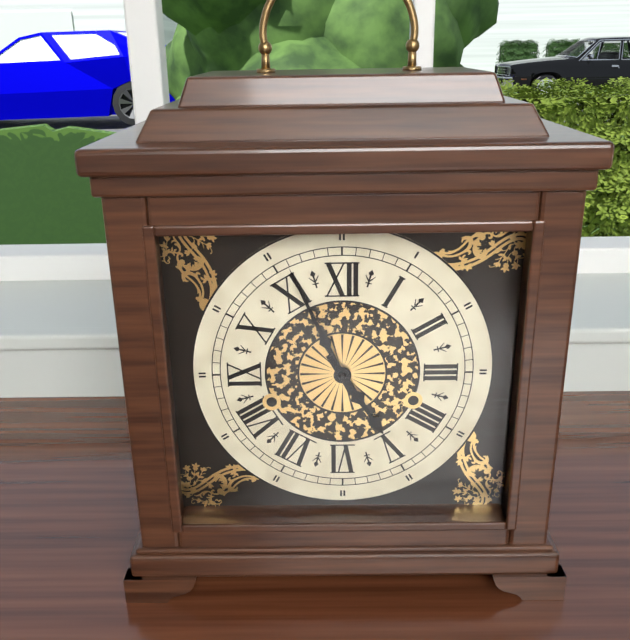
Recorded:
4.56
